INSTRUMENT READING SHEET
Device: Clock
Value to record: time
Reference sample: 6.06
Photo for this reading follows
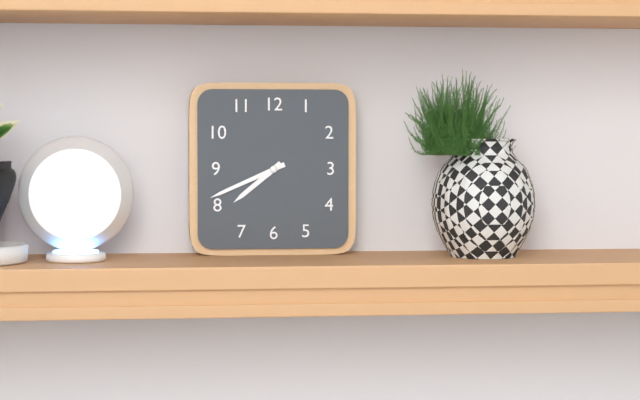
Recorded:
7.41
